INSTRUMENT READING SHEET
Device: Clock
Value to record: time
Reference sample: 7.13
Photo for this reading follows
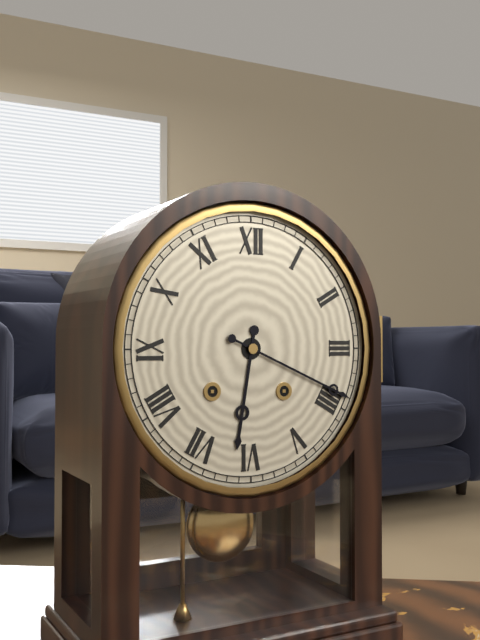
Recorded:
6.19
